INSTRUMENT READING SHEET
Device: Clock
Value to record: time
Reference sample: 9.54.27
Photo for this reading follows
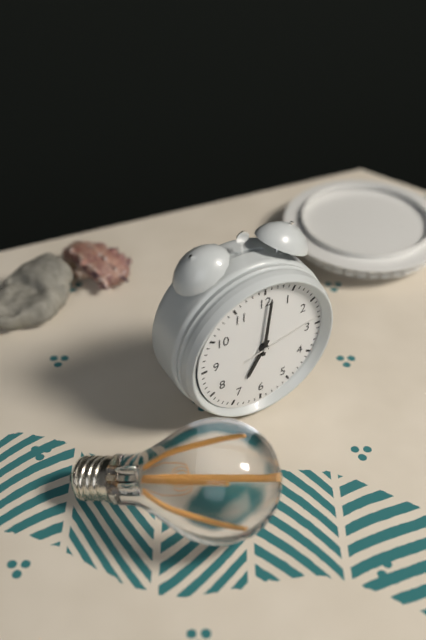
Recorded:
7.01.13
